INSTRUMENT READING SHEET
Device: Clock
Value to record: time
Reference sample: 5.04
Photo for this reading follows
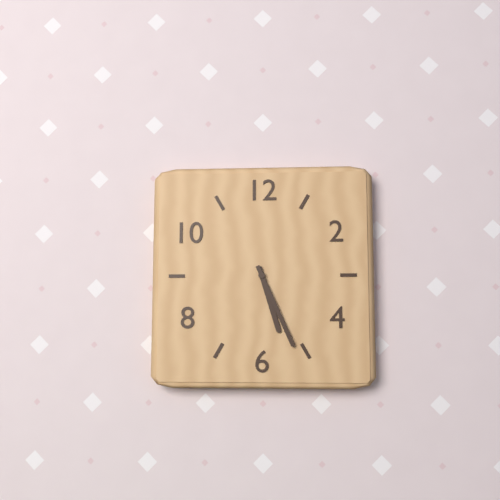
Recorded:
5.26
